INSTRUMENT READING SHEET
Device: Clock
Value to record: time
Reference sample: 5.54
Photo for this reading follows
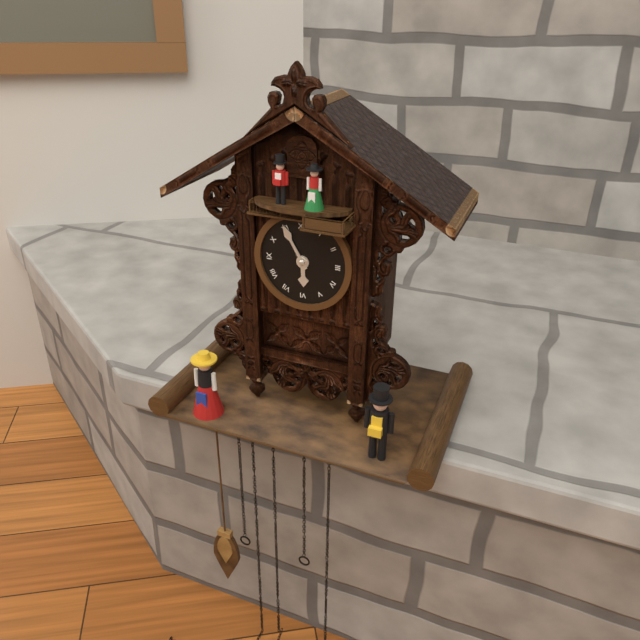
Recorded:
5.55
